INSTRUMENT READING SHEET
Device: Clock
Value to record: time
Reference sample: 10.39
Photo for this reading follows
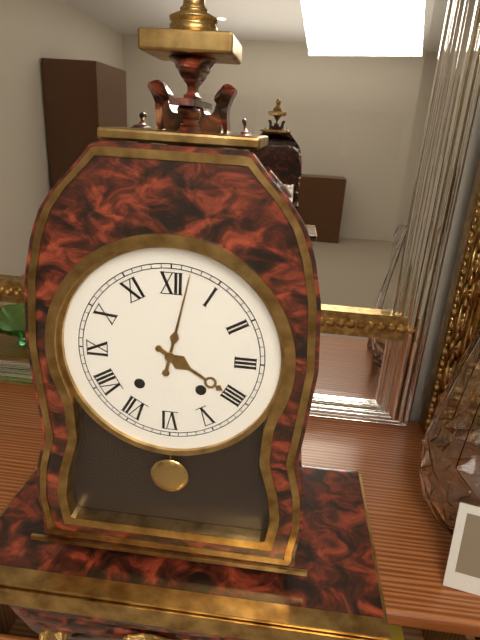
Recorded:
4.02
